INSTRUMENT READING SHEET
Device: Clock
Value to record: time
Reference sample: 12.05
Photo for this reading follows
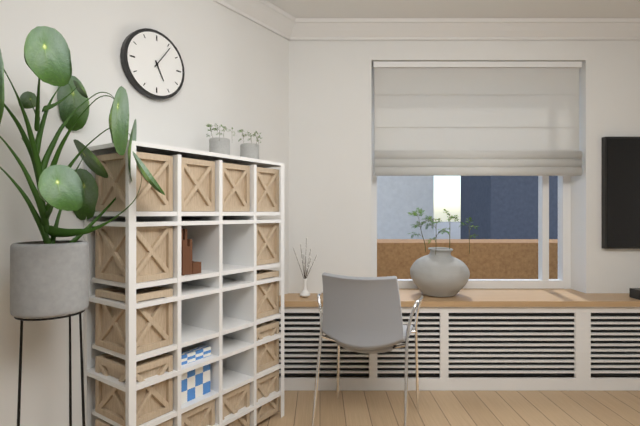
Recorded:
5.06
